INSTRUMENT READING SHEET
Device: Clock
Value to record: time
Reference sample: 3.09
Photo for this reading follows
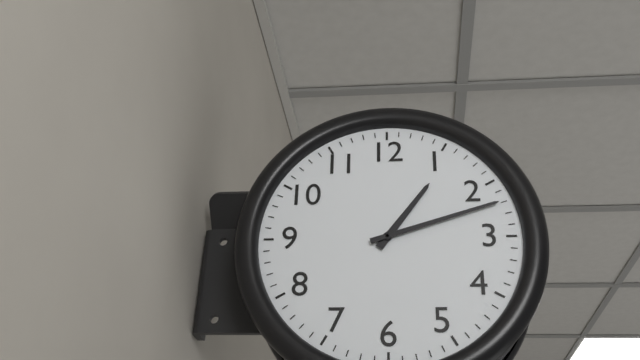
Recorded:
1.12
